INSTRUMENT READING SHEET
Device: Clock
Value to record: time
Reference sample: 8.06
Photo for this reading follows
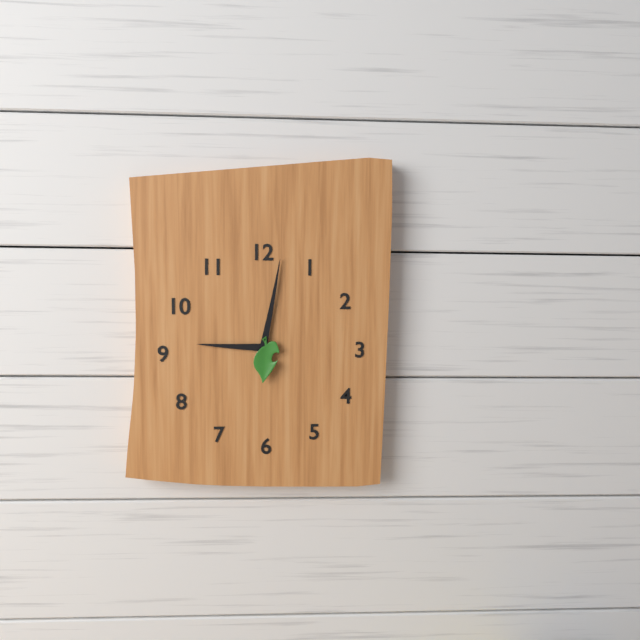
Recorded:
9.02
